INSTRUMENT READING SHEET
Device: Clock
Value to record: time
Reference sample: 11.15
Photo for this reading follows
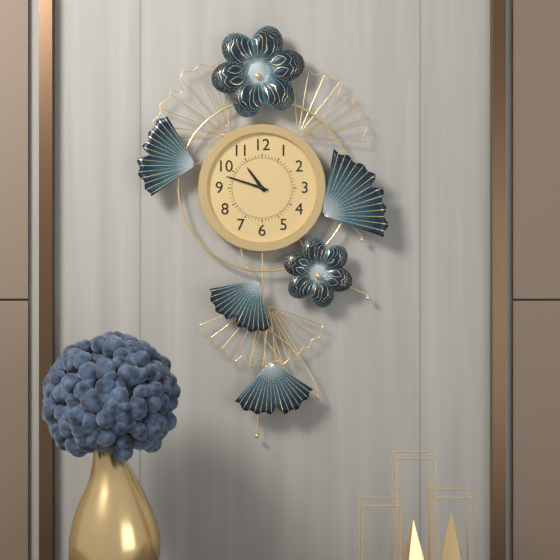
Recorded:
10.48
